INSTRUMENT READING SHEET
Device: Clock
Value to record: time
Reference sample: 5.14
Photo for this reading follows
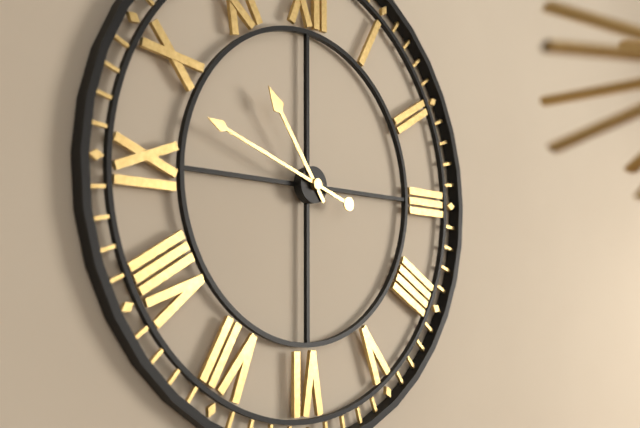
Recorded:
10.48
